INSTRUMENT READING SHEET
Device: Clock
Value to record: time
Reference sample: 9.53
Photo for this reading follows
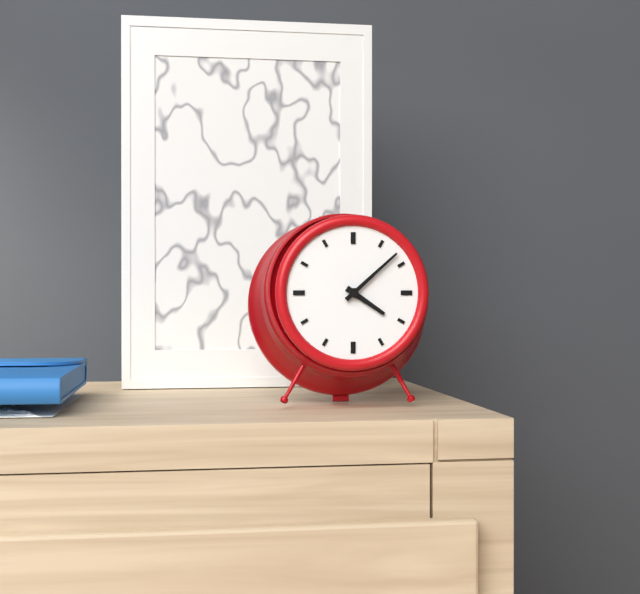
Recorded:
4.08
